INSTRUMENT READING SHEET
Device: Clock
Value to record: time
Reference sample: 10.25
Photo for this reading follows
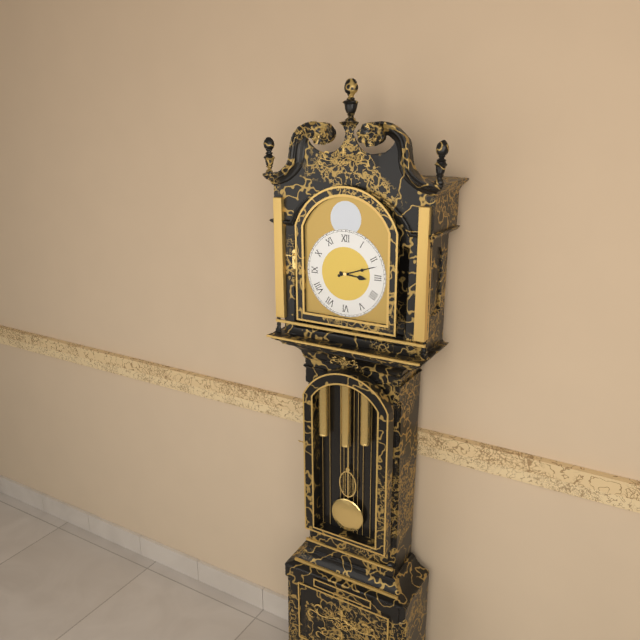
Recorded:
3.12
